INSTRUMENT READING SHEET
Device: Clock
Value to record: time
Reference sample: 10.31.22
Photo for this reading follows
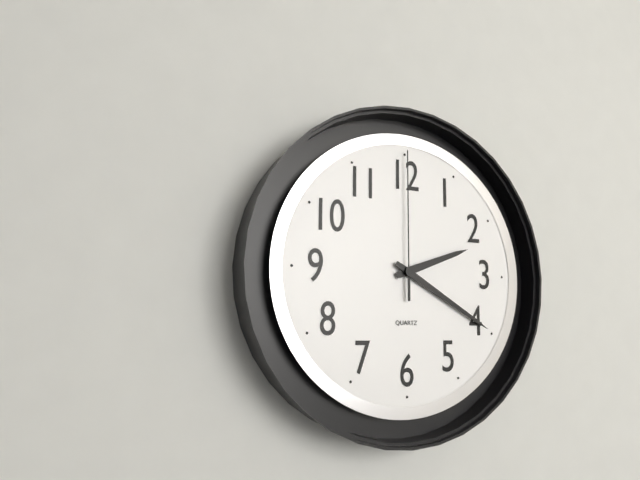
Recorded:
2.20.00
